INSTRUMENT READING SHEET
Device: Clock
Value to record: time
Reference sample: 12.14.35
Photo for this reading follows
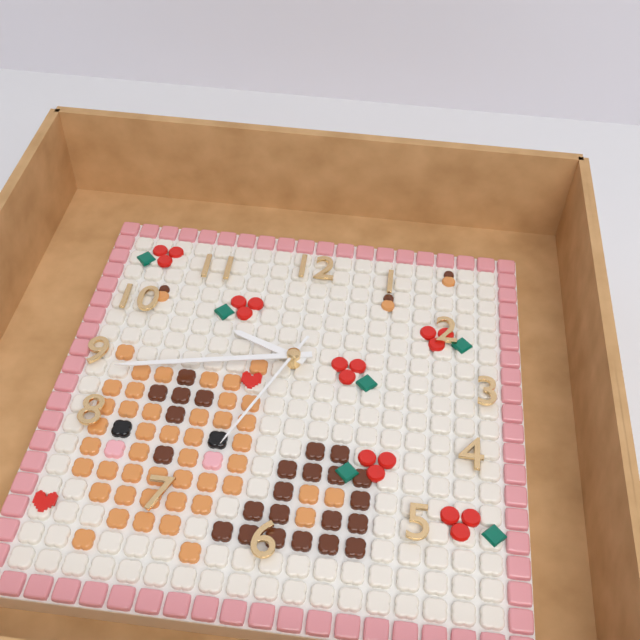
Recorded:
9.43.34
